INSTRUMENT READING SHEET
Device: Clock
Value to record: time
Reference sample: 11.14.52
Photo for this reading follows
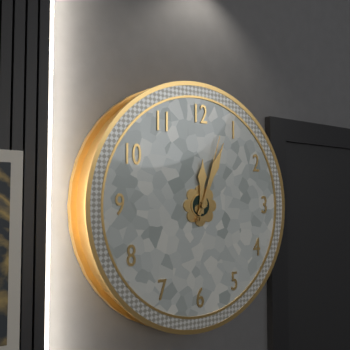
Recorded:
12.04.03
